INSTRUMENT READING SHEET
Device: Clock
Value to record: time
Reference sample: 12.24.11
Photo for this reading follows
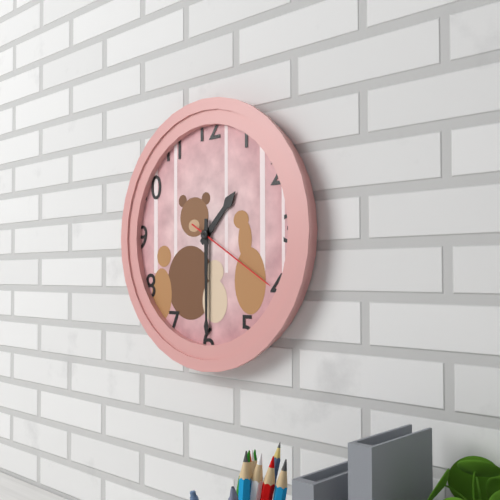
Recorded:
1.30.20
